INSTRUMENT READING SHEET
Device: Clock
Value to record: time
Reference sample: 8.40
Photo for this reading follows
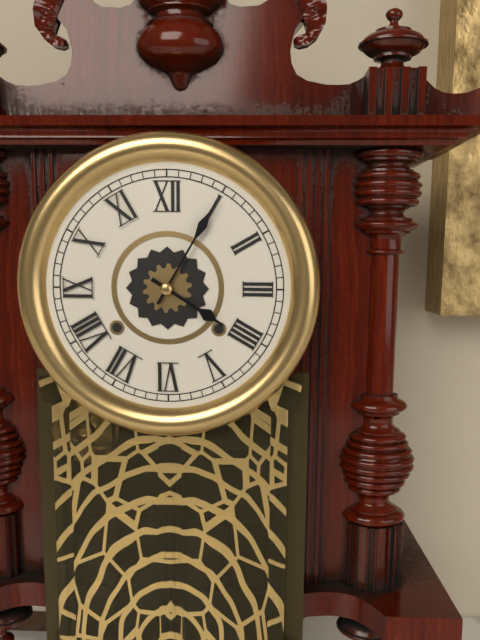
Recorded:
4.05
